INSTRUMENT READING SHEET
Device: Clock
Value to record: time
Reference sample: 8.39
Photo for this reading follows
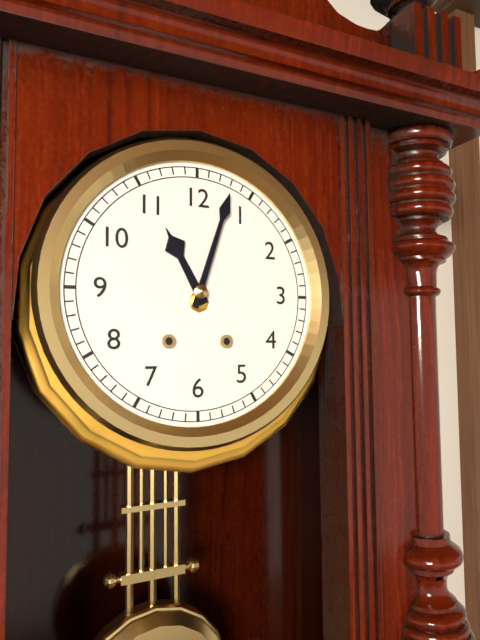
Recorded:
11.03
